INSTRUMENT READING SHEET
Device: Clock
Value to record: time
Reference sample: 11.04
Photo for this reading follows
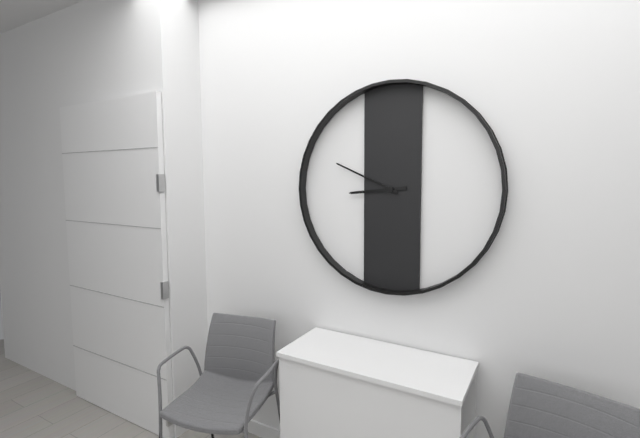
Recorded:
8.49
